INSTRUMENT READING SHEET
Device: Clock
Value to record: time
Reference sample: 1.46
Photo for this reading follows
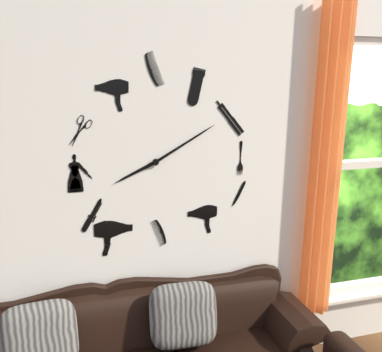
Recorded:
8.10
